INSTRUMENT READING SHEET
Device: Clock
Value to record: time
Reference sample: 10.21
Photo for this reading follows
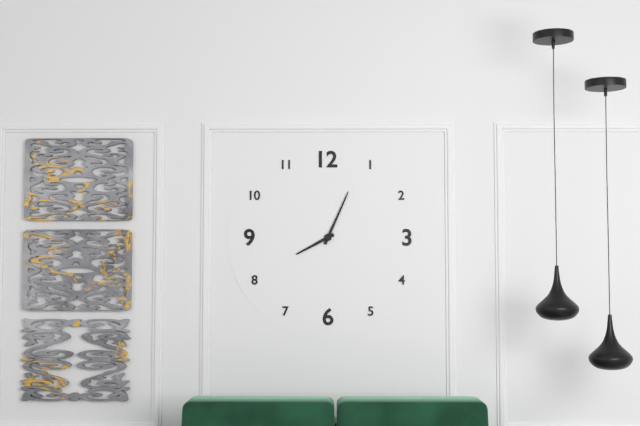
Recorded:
8.04
